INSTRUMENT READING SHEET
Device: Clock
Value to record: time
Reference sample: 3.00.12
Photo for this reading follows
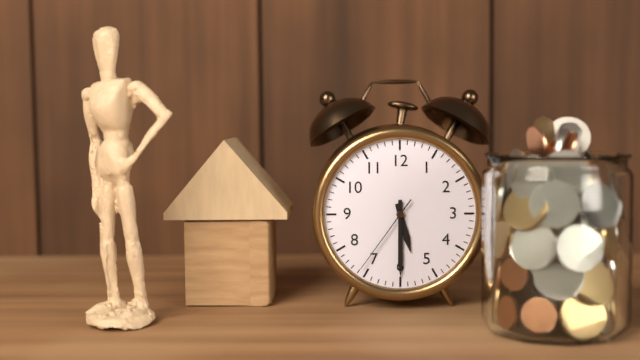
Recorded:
5.30.36
